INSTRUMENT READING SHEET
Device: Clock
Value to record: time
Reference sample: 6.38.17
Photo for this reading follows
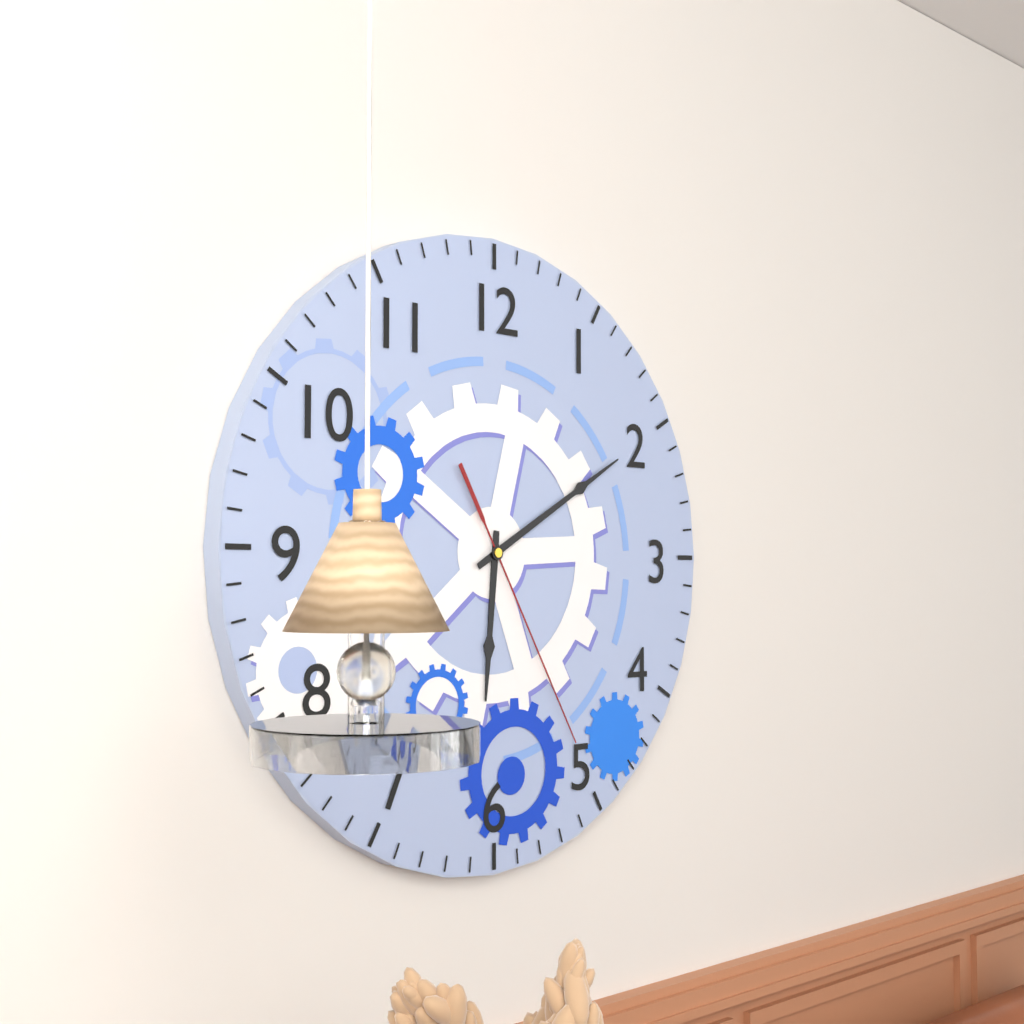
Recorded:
6.10.25
